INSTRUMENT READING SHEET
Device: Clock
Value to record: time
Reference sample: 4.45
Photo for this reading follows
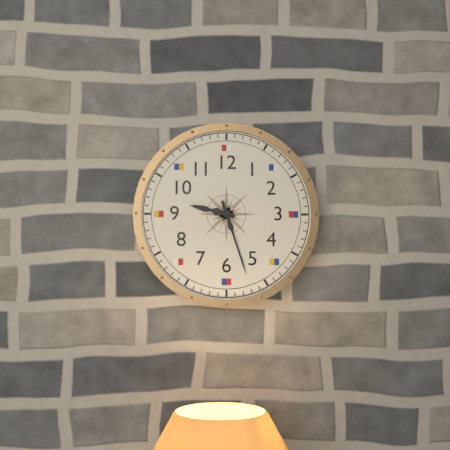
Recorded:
9.27
